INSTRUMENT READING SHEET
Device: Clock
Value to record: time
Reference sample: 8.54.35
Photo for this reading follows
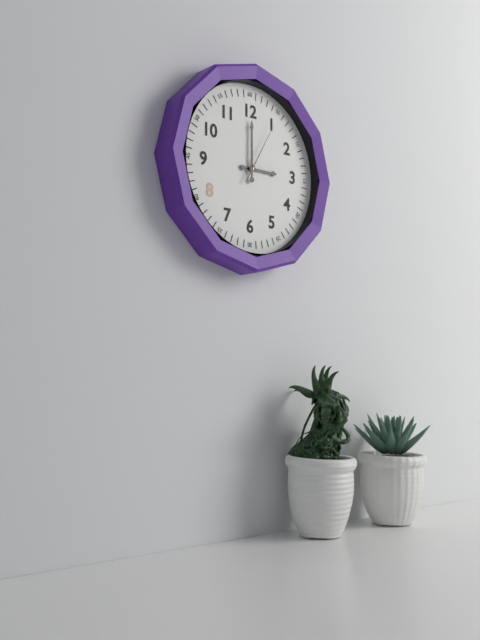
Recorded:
3.00.05
